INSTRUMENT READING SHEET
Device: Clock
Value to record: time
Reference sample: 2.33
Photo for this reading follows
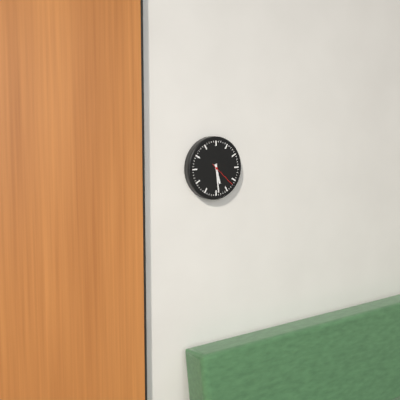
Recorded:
5.29
